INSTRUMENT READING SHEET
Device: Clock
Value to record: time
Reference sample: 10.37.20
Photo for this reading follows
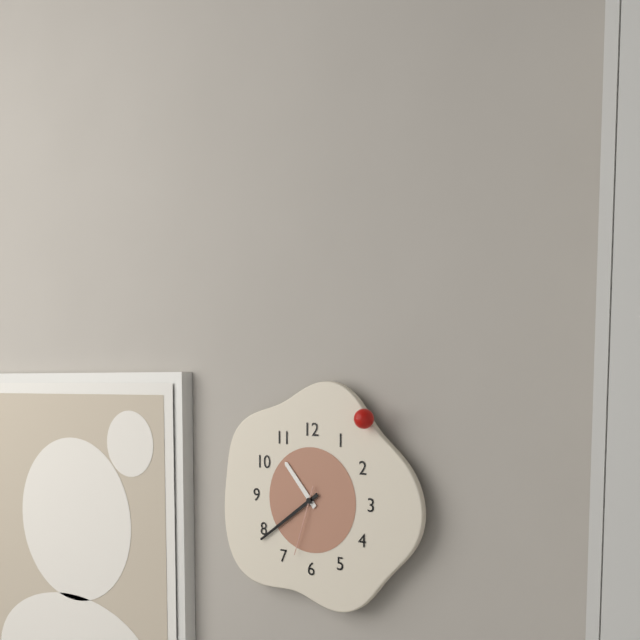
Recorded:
10.39.33
